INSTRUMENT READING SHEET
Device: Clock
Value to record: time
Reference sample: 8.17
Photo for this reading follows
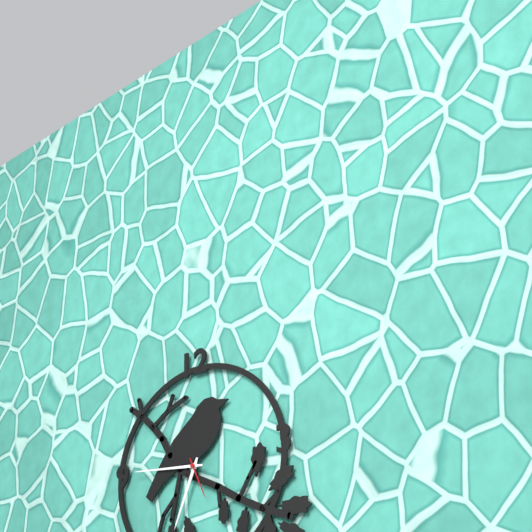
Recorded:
6.46
